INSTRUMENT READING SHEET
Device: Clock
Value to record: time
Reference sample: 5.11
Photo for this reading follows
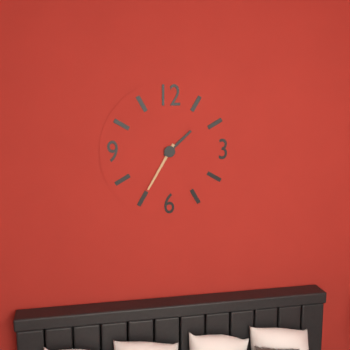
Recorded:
1.35
